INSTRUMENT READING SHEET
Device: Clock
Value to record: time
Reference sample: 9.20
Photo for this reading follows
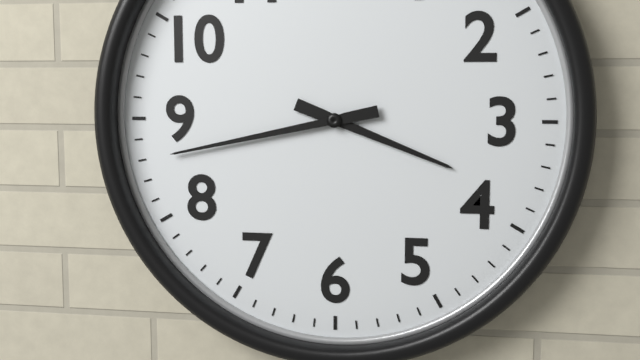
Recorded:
3.43
